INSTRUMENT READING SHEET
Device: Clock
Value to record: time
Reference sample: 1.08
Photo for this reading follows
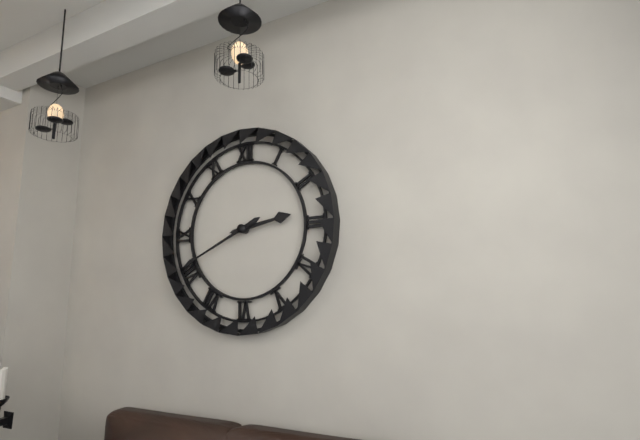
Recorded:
2.41
